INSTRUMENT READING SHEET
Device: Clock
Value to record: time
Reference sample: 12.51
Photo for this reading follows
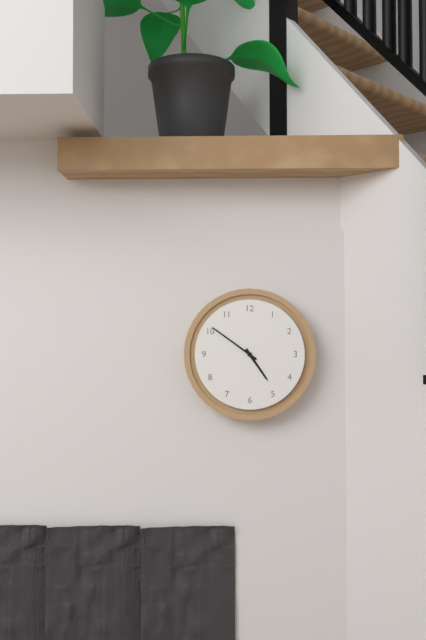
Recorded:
4.51
